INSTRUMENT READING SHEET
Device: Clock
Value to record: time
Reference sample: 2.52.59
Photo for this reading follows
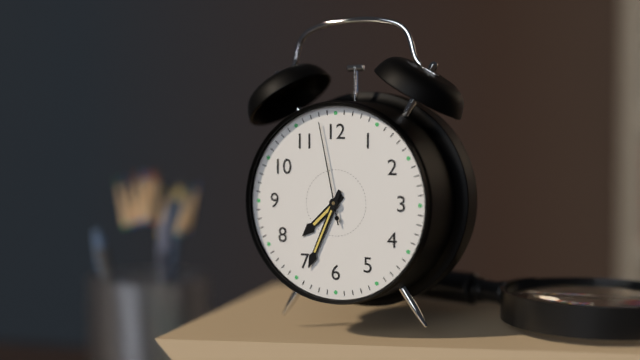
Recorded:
7.34.58
